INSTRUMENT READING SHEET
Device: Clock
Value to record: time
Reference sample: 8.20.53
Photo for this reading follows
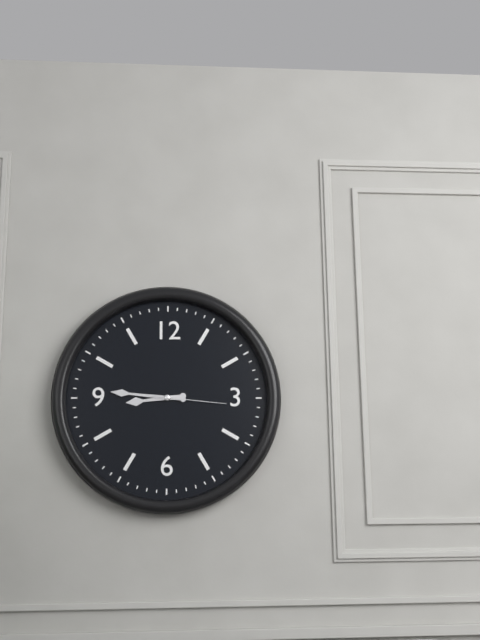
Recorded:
8.46.16
